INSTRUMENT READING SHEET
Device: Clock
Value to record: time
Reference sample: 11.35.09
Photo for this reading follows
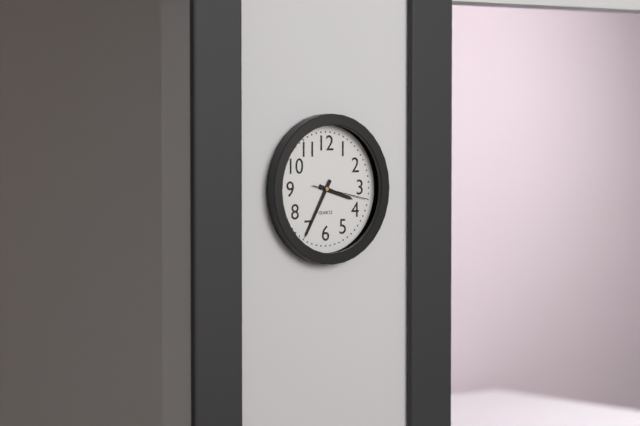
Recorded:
3.35.17
